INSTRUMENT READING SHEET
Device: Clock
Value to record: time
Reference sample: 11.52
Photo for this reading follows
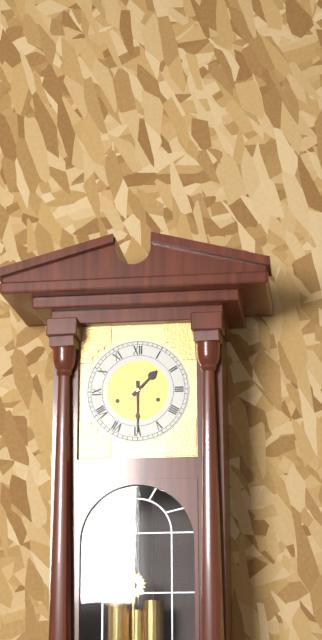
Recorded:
1.30
